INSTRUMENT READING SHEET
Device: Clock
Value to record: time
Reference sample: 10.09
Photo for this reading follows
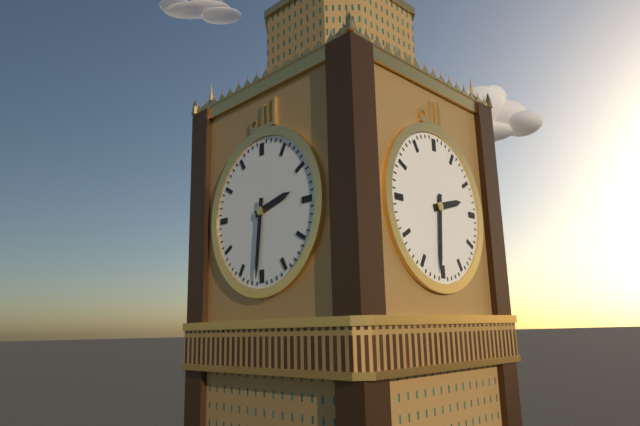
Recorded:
2.31
